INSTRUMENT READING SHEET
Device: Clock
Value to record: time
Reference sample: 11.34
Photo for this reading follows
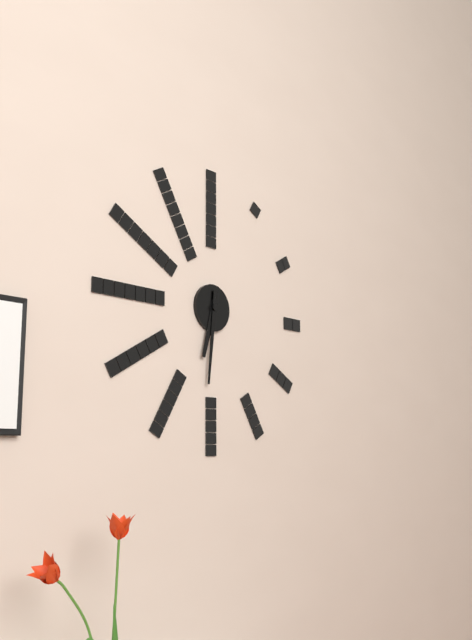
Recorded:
6.31
